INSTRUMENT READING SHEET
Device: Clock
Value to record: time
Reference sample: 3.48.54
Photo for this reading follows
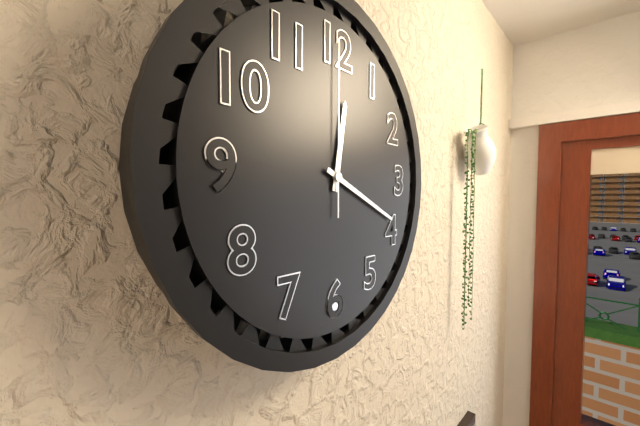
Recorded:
12.19.00
